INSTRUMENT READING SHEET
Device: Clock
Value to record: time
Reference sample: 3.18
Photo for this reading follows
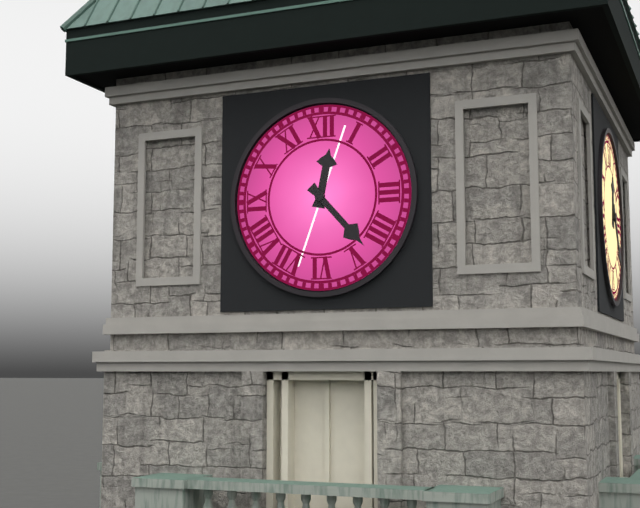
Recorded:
12.23
